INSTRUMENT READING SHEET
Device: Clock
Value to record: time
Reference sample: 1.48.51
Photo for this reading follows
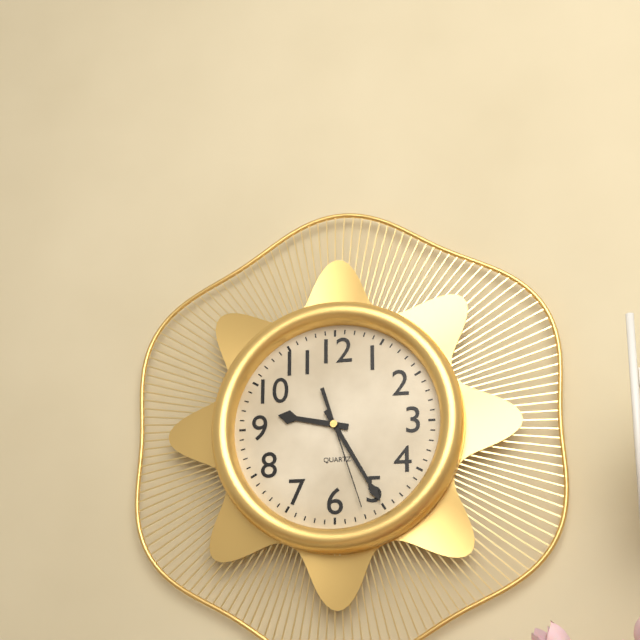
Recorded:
9.25.27
